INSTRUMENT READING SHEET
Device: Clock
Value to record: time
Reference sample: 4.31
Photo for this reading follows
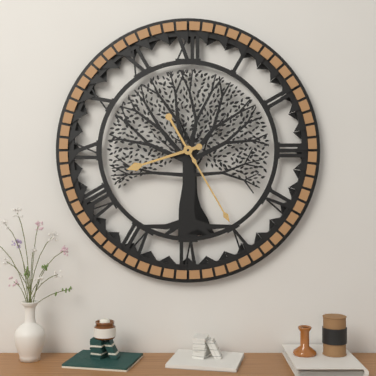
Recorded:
8.25
